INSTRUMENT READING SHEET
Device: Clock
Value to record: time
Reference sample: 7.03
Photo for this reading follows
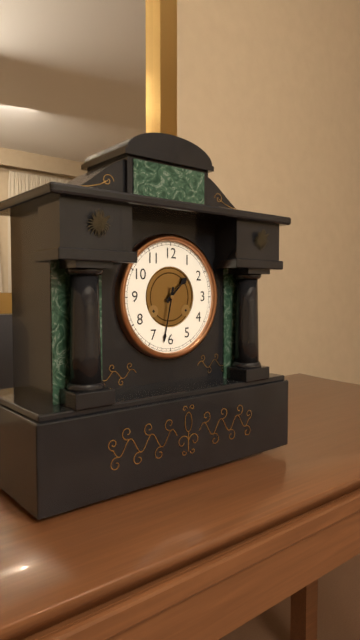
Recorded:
1.32
